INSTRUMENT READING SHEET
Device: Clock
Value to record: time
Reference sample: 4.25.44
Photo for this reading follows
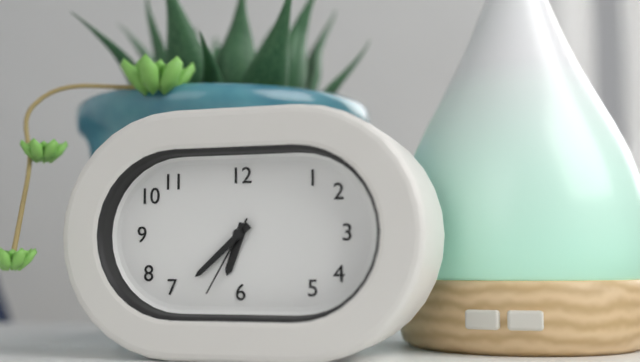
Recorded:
6.38.35
